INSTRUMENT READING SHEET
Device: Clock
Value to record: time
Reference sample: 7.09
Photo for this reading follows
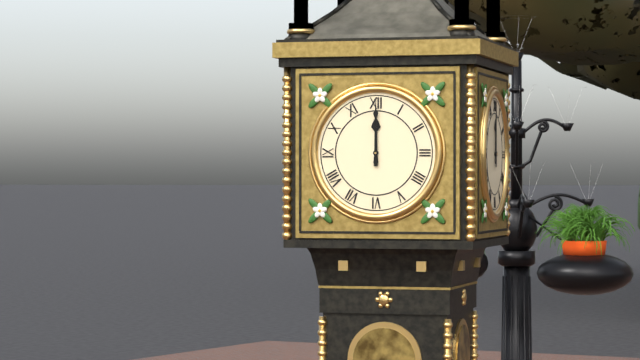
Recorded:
12.00
